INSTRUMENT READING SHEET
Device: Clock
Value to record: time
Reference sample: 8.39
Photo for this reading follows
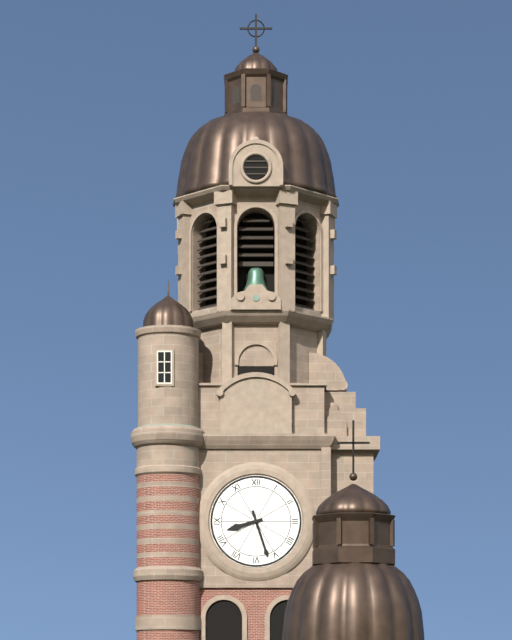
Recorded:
8.27
